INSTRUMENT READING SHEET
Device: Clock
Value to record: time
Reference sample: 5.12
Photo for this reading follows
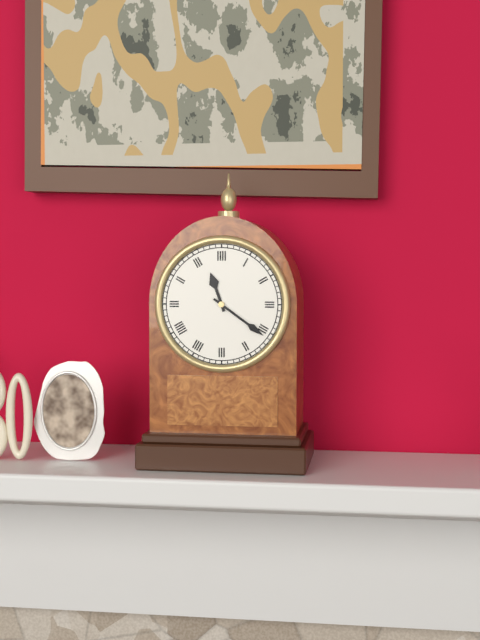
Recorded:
11.21
